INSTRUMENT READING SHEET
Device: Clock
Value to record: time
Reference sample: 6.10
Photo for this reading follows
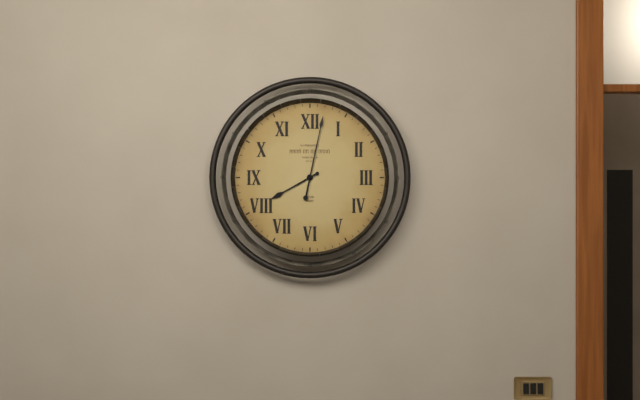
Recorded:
8.02
